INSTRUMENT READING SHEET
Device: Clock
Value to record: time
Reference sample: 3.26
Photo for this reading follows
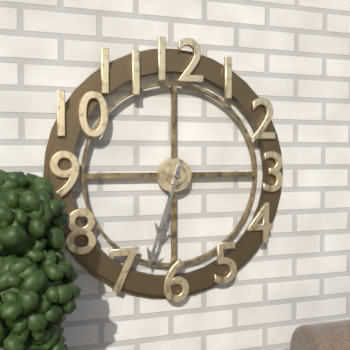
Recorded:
6.33
